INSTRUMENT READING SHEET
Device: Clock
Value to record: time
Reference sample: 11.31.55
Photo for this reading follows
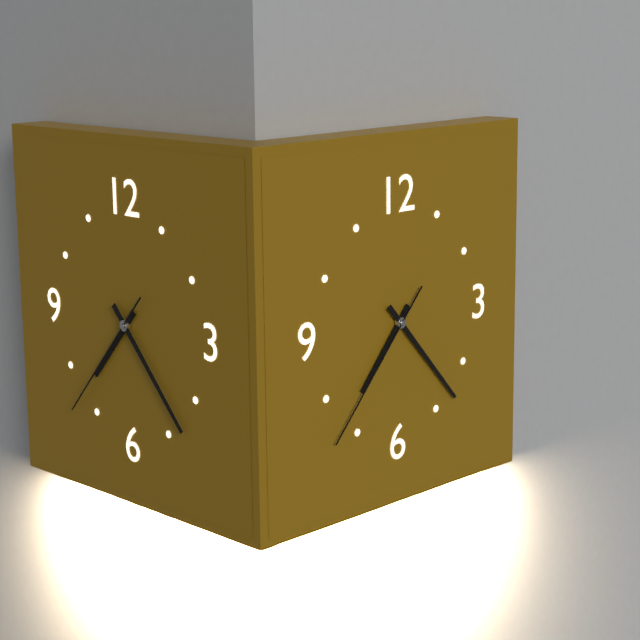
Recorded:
7.23.37
